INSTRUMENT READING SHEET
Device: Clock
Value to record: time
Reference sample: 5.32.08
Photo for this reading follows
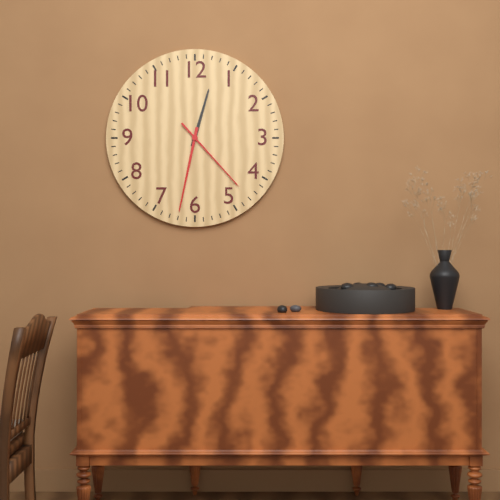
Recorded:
12.32.23
